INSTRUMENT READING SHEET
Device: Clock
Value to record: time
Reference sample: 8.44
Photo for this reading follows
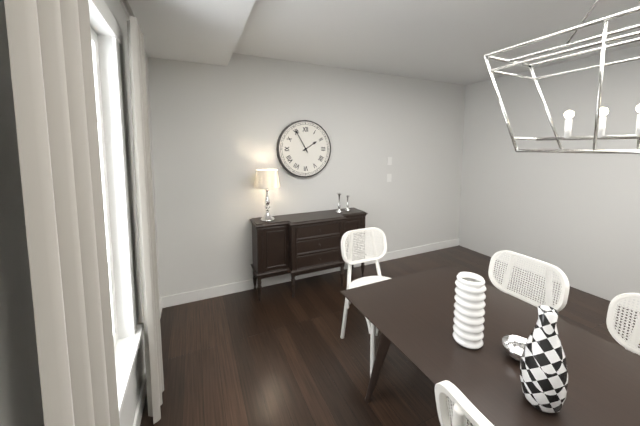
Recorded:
1.55
